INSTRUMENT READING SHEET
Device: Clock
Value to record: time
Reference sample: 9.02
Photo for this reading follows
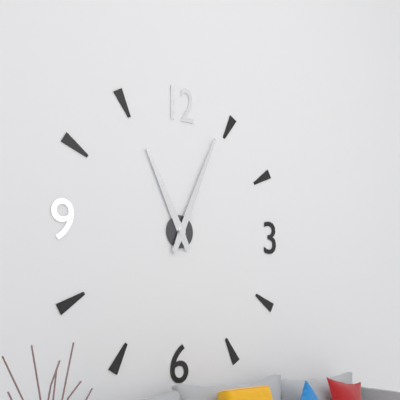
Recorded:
11.04
